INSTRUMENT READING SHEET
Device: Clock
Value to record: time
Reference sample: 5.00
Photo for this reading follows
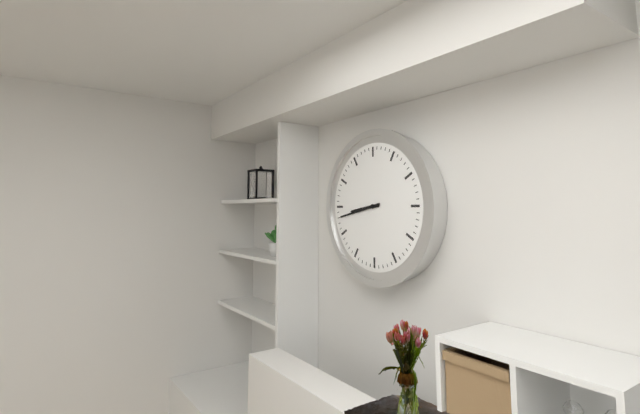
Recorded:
8.43
